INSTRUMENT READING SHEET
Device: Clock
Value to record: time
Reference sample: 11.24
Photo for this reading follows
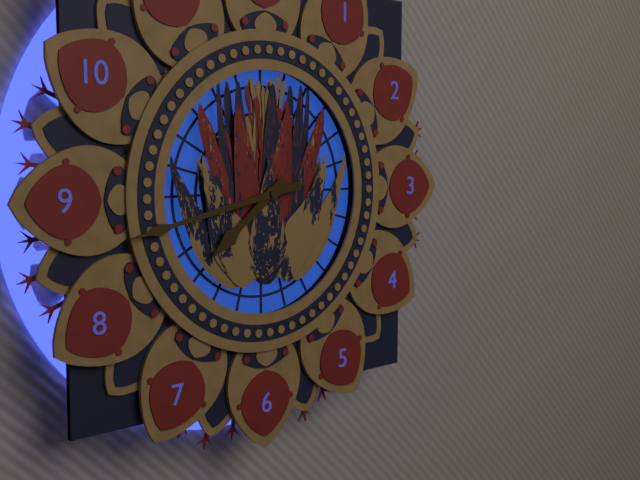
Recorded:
7.43
